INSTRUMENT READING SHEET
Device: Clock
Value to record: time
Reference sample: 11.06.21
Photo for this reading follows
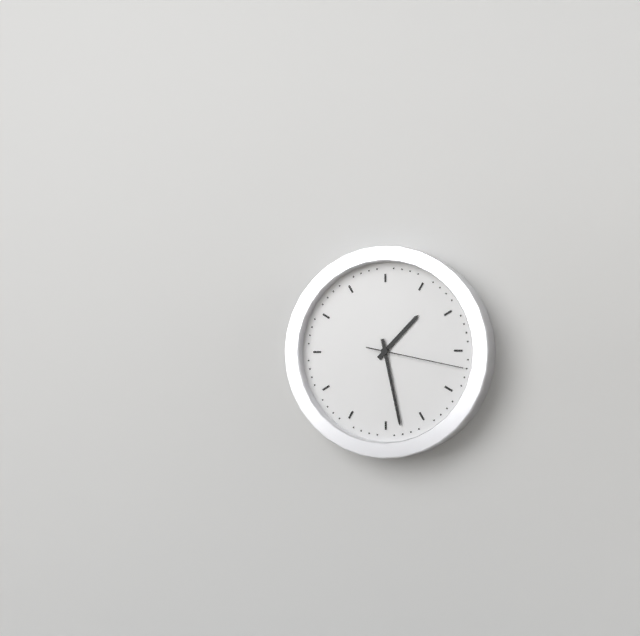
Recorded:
1.28.17
